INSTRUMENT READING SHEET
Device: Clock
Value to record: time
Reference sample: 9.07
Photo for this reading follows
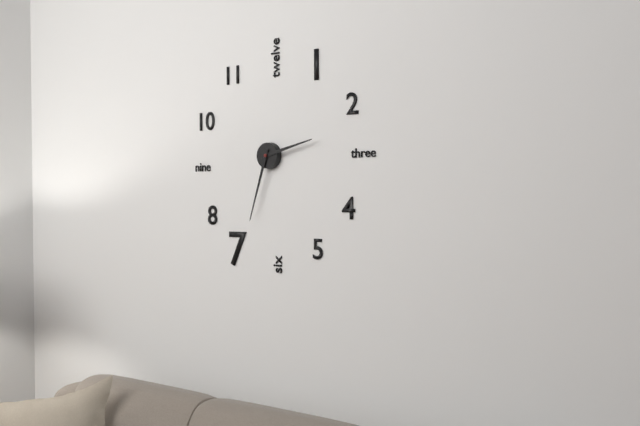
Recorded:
2.33
